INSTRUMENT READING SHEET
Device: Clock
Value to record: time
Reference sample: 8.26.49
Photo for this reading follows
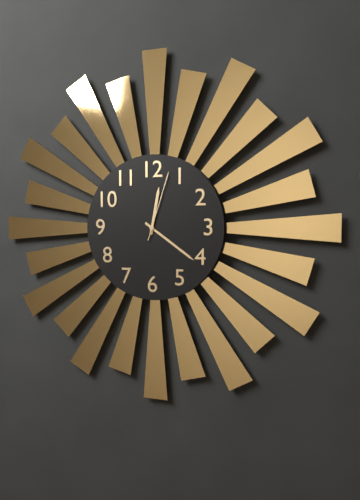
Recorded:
12.21.03
